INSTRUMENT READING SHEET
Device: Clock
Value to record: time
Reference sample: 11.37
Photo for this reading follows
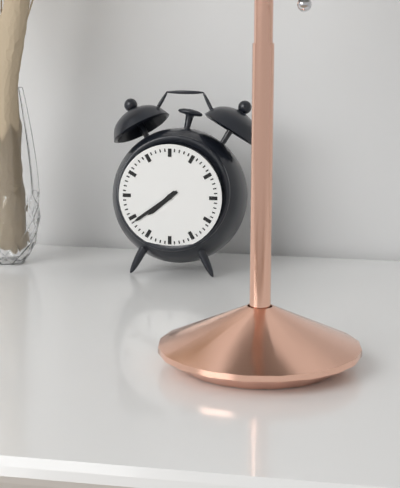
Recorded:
7.39
